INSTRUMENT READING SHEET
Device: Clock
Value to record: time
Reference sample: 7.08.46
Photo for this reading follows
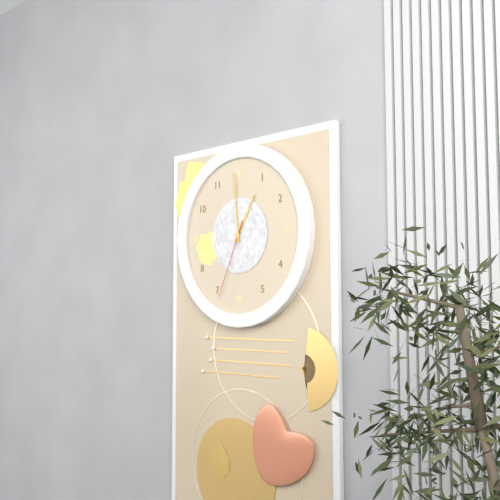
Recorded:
12.59.34
